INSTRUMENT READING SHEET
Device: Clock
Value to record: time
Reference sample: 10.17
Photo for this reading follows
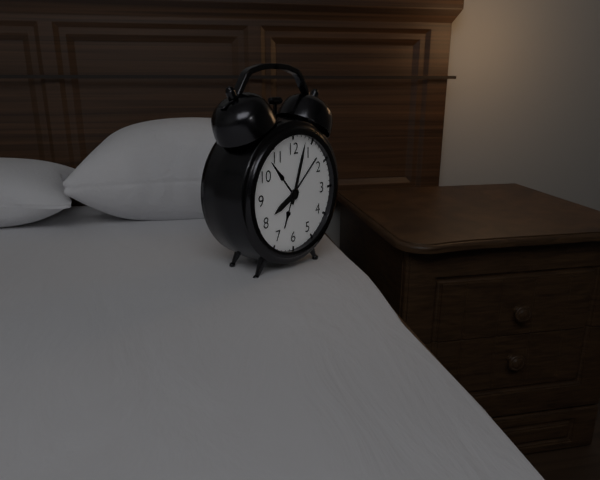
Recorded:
8.03
